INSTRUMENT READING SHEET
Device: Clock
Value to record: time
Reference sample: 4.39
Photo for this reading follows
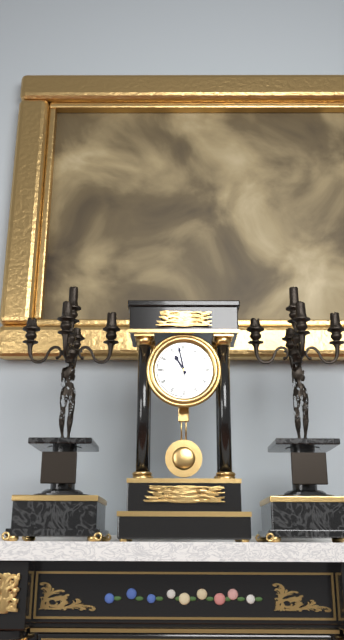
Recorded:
10.58
